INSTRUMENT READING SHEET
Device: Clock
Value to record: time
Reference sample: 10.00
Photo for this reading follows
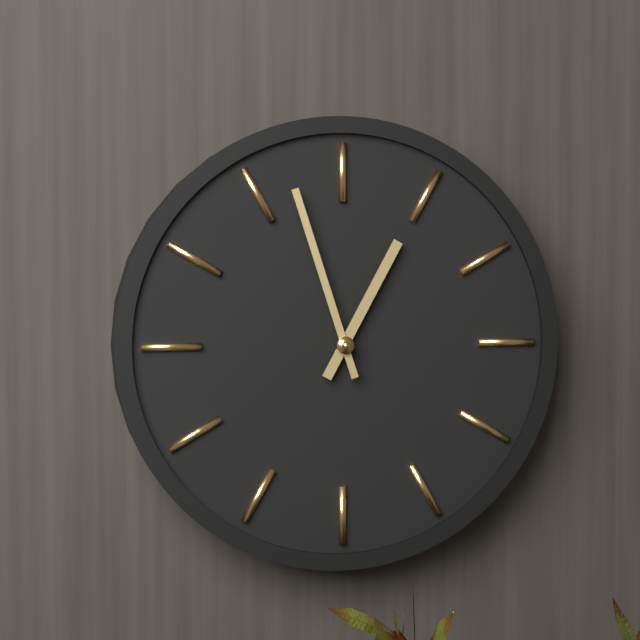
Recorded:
12.57
